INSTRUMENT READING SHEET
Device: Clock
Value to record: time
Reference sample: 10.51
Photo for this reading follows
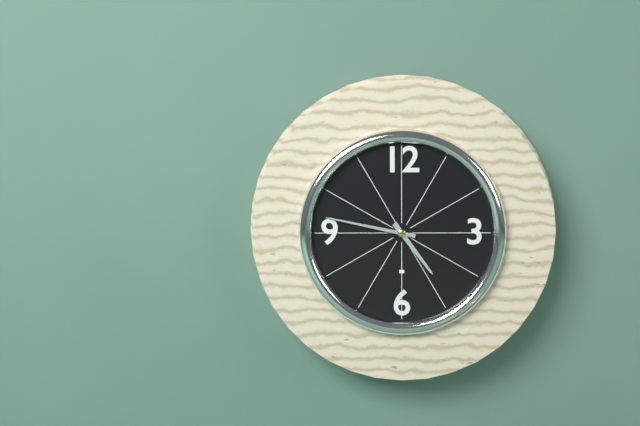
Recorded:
4.47
